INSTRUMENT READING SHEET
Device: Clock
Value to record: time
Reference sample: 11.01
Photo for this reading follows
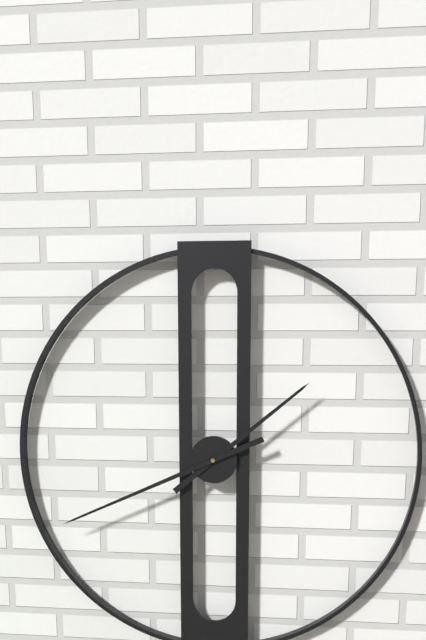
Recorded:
1.41
